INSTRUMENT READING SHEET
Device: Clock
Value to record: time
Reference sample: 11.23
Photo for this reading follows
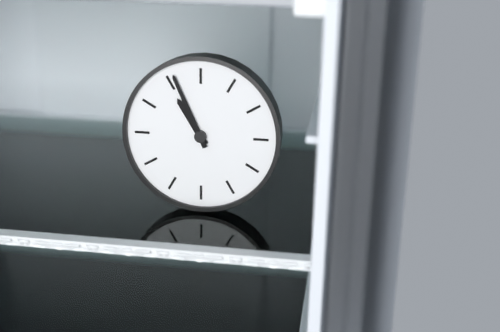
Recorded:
10.56
